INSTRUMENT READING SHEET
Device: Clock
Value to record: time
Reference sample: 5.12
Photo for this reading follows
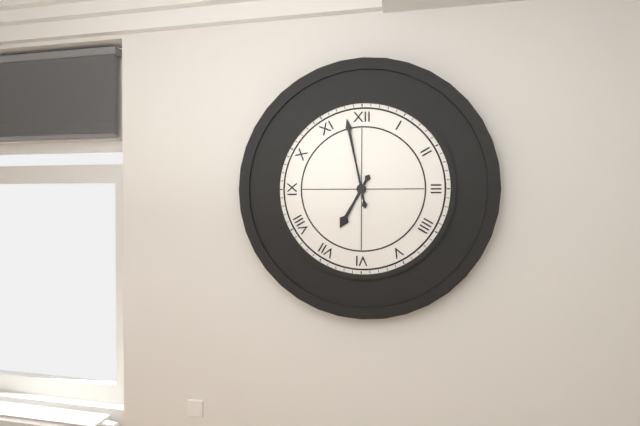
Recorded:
6.58
